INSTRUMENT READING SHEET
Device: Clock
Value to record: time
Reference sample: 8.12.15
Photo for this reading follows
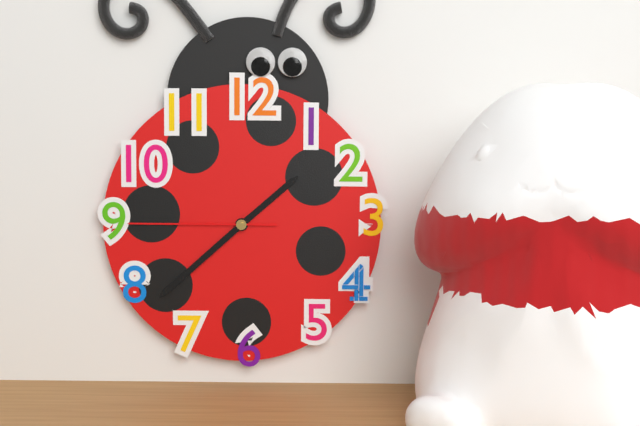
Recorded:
1.38.45
